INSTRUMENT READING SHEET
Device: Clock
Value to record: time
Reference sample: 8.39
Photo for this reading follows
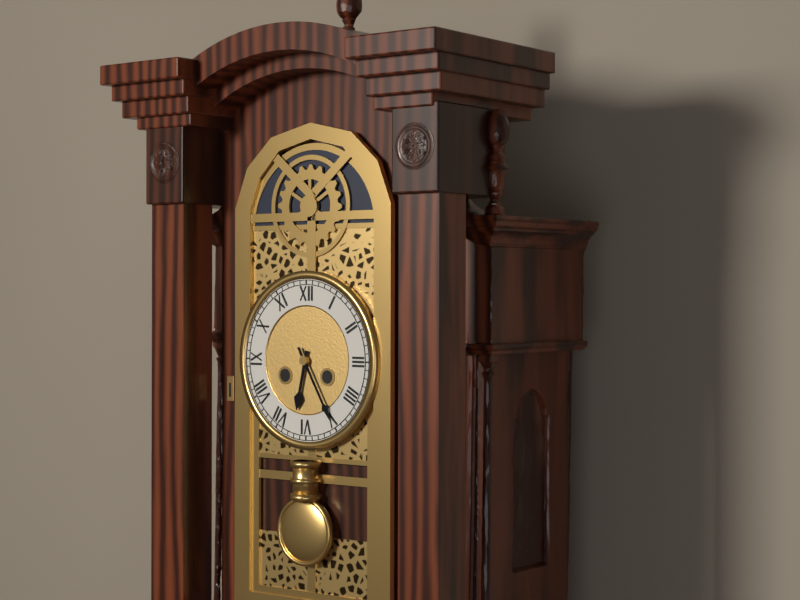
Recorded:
6.25
